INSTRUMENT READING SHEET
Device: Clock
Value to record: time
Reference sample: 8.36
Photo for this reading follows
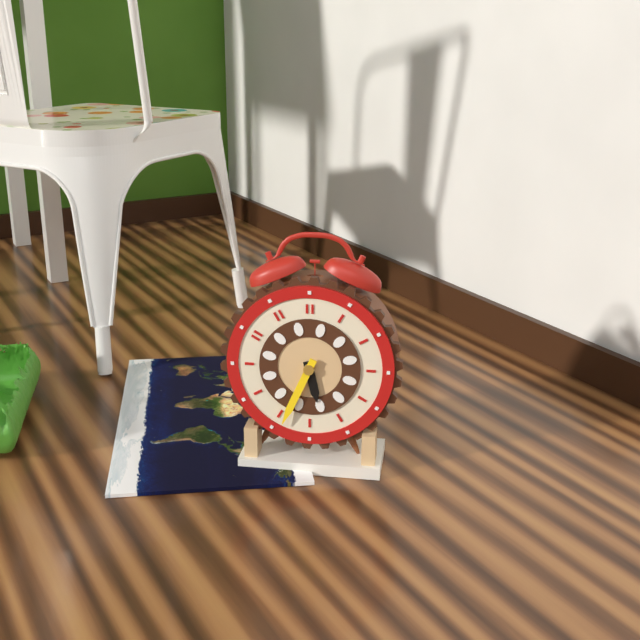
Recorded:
5.34
